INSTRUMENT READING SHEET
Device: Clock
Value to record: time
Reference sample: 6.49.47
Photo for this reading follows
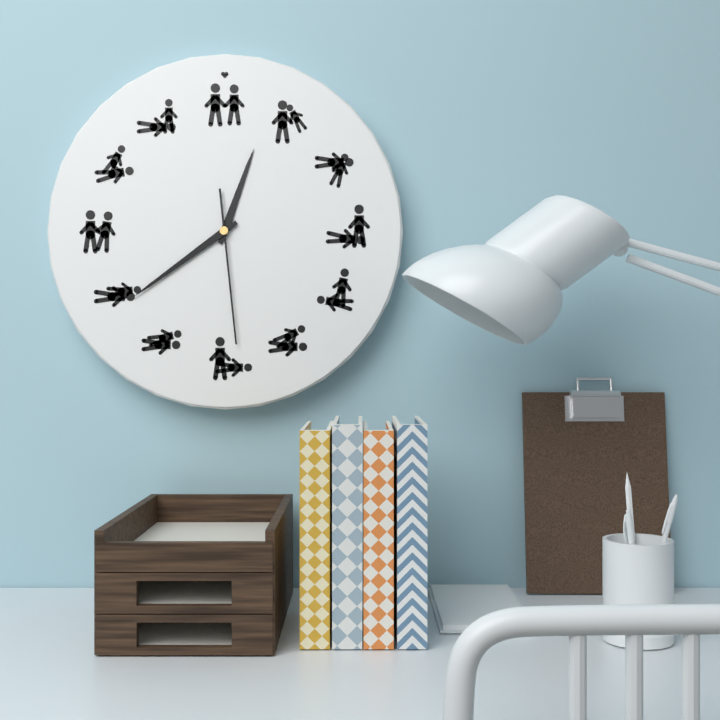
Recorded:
12.39.29
